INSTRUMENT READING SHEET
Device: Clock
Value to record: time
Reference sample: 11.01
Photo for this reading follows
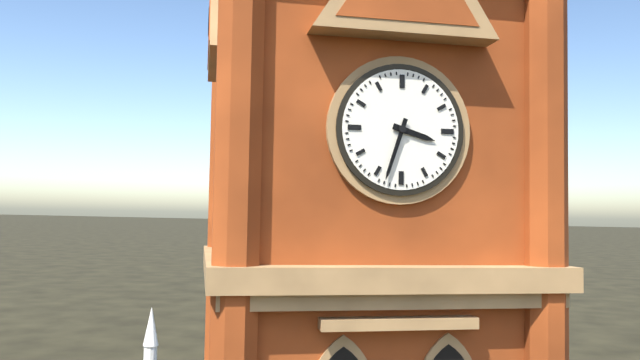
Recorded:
3.33
